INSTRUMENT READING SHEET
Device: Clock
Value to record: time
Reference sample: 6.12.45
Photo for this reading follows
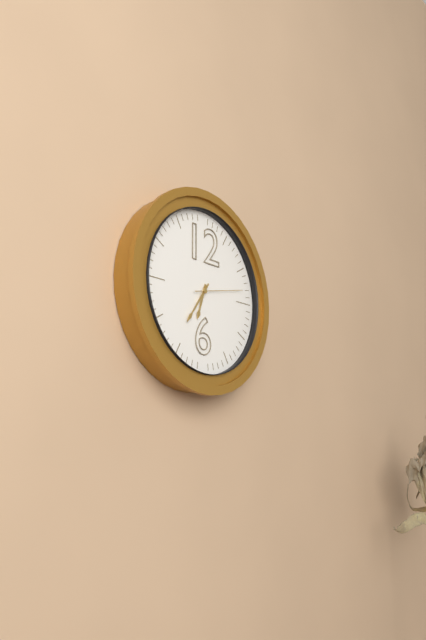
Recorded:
6.36.13
